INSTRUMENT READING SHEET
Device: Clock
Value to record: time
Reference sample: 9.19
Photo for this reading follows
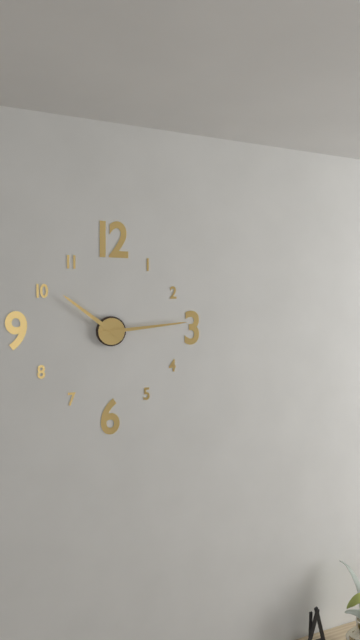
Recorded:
10.14
